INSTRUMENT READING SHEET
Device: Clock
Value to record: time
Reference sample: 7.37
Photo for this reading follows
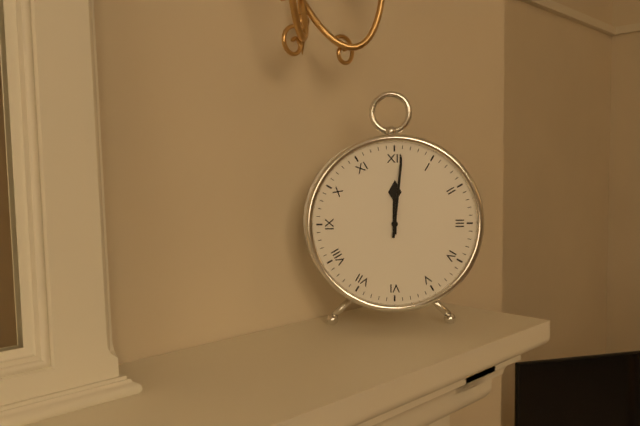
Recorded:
12.01
